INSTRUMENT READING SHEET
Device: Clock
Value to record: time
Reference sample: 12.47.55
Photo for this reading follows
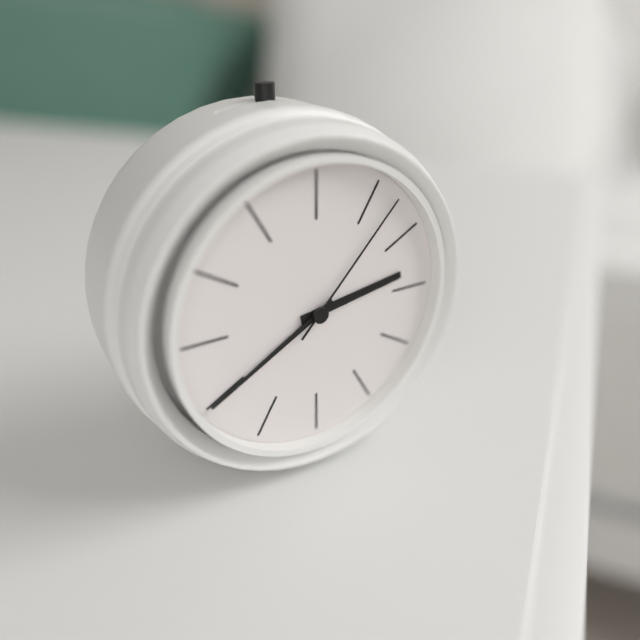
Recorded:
2.40.07
